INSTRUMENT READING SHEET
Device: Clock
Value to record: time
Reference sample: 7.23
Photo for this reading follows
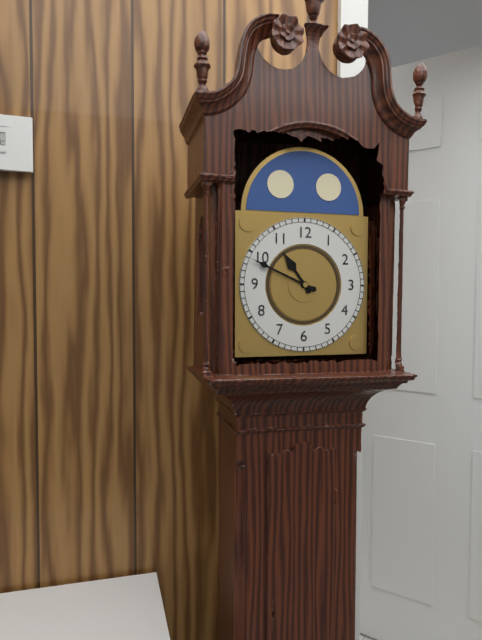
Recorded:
10.49
